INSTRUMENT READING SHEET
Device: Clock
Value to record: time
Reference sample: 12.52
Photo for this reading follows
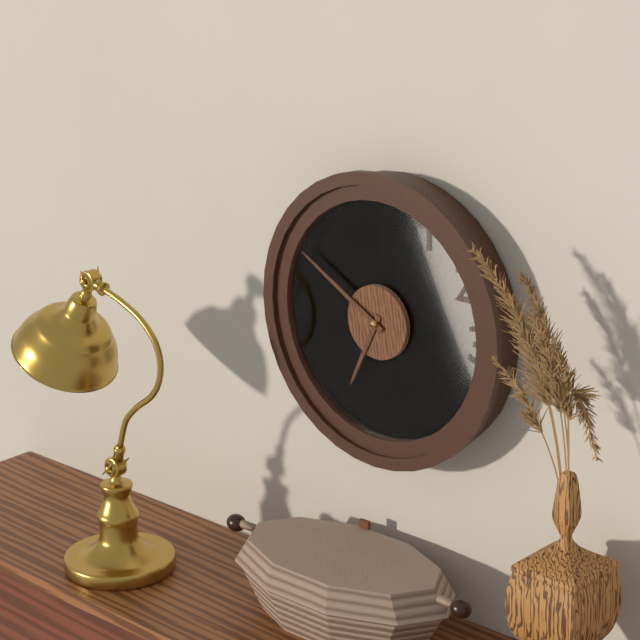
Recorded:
6.50
